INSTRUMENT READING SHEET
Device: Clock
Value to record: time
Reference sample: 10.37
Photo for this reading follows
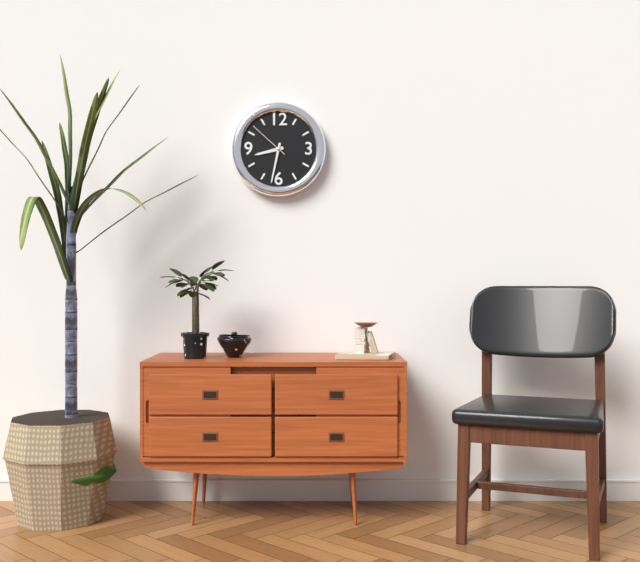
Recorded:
8.32
